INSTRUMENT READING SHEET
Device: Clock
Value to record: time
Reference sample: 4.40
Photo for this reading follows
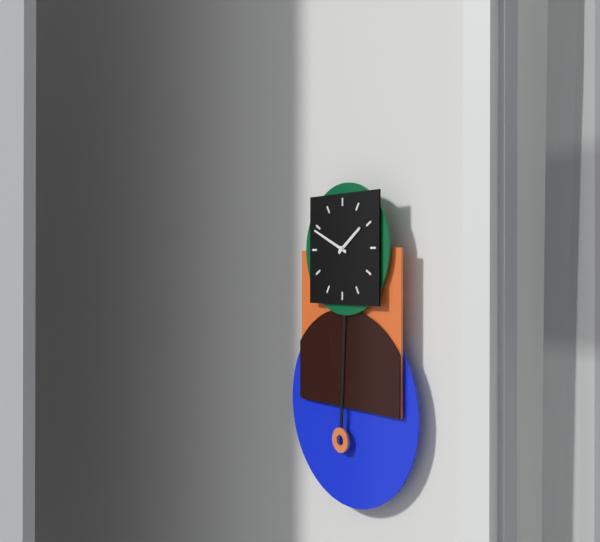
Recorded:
1.49
